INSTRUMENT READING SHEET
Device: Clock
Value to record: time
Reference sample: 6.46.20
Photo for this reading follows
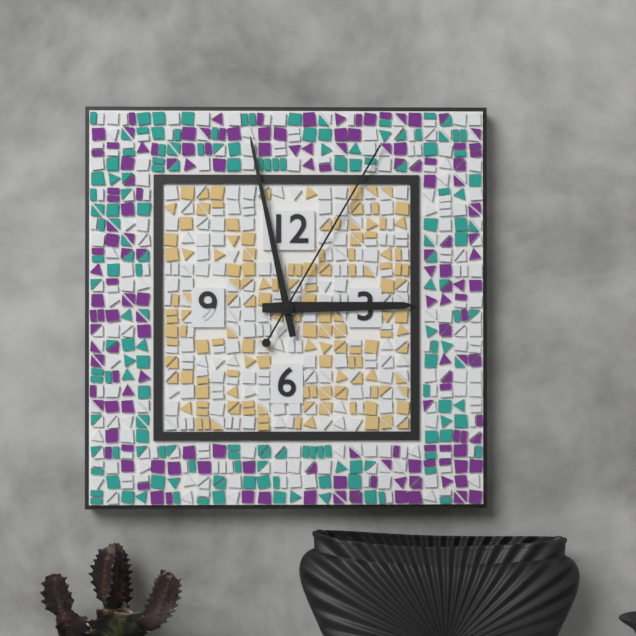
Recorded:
2.58.05
